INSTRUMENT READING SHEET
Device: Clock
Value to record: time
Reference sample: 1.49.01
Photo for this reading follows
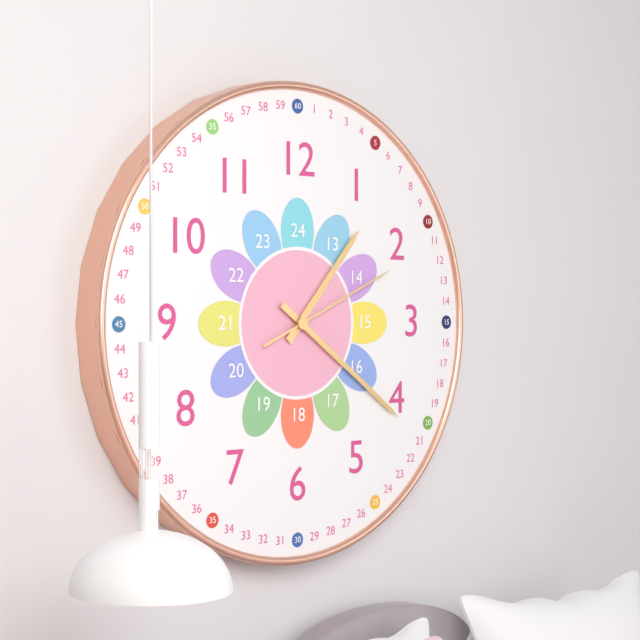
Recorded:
1.21.11
